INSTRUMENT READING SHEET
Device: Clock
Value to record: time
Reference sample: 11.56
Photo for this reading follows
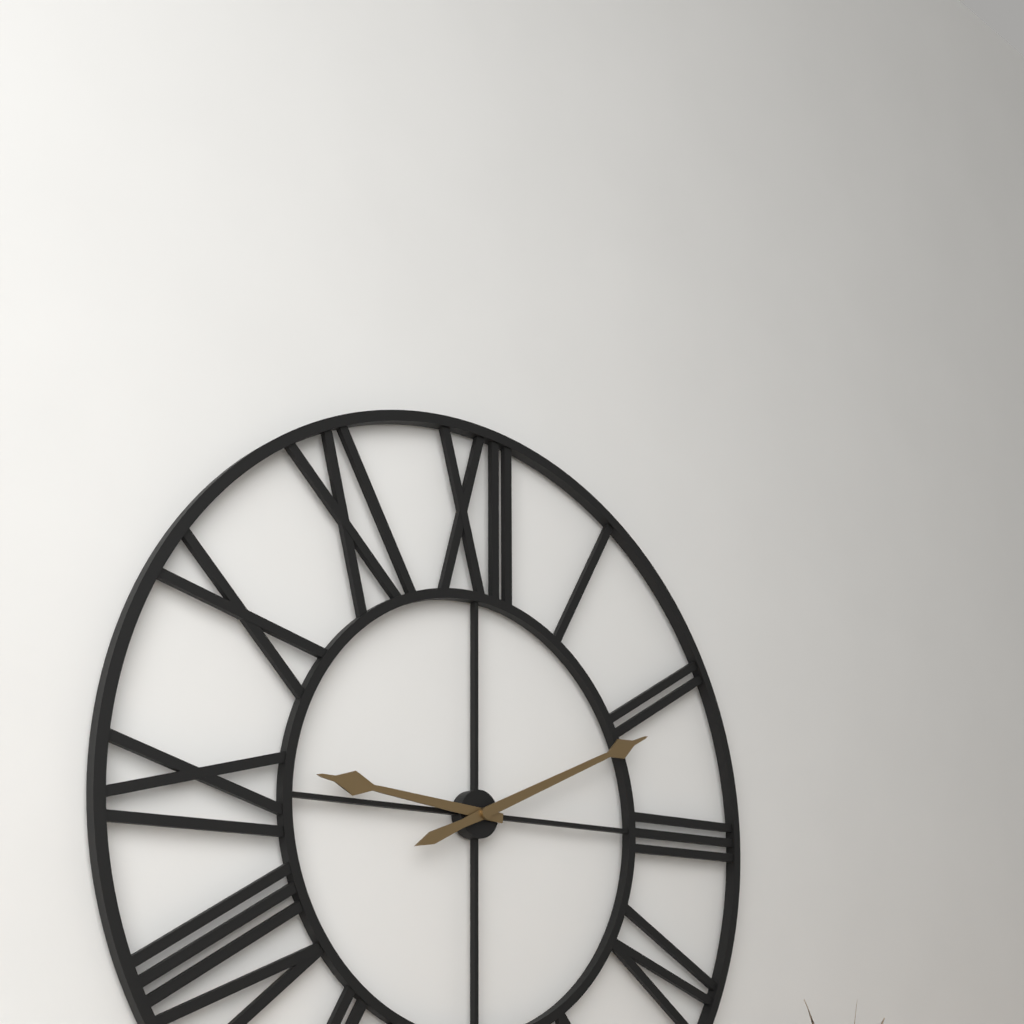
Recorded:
9.11
